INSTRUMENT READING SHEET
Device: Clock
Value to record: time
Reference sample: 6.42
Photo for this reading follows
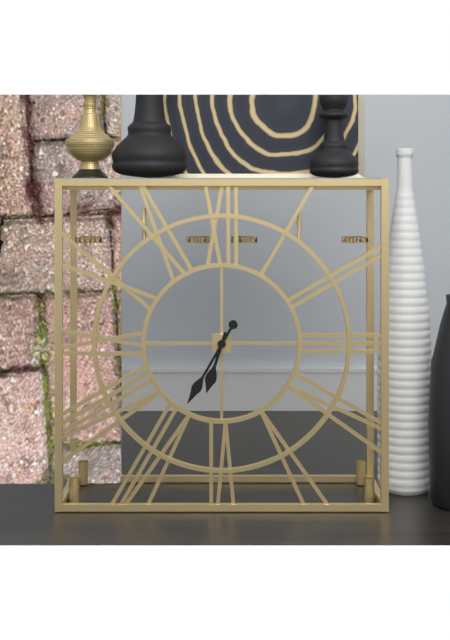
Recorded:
6.35
